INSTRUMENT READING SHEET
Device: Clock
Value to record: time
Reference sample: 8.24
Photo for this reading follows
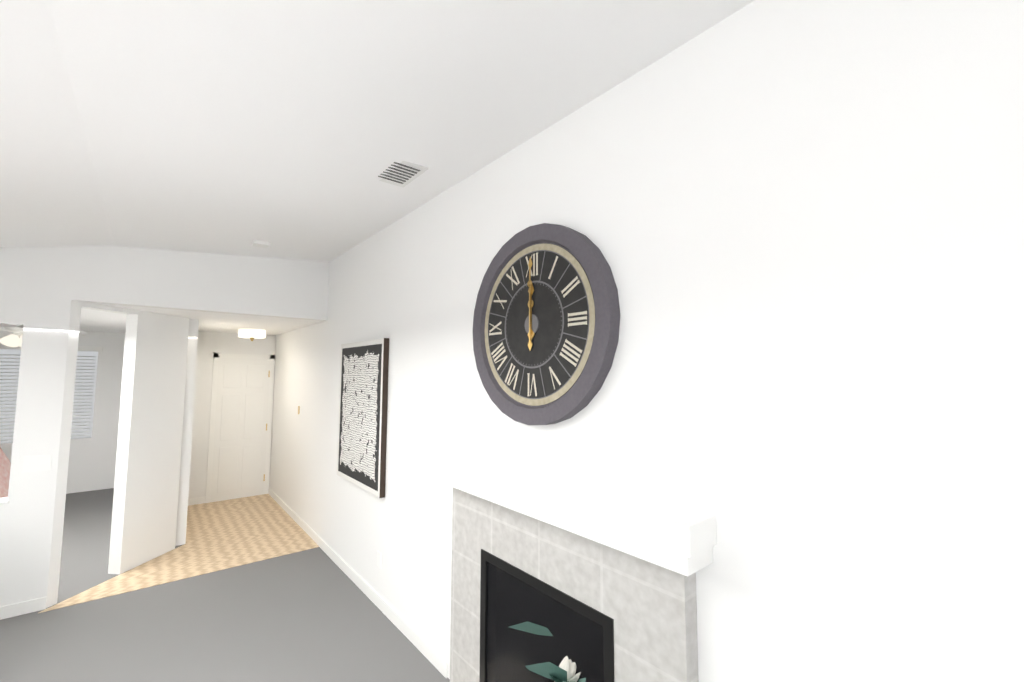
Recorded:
12.00
